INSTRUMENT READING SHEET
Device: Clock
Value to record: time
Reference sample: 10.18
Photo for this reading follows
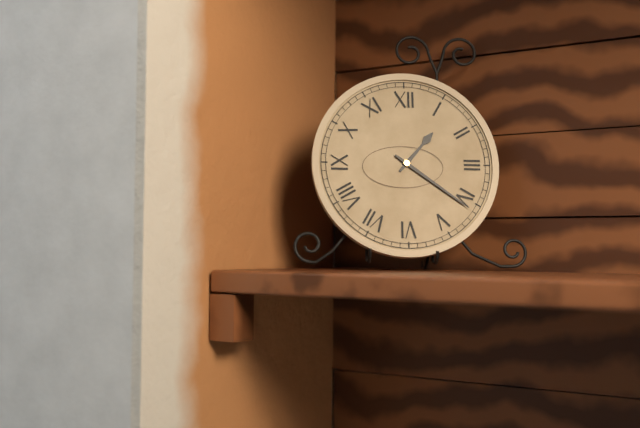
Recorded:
1.21
